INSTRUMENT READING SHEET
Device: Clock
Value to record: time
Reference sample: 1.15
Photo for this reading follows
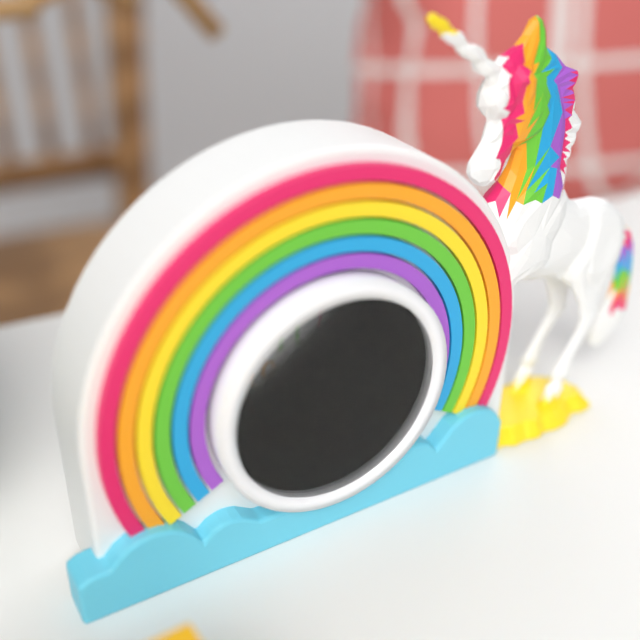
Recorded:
4.50
